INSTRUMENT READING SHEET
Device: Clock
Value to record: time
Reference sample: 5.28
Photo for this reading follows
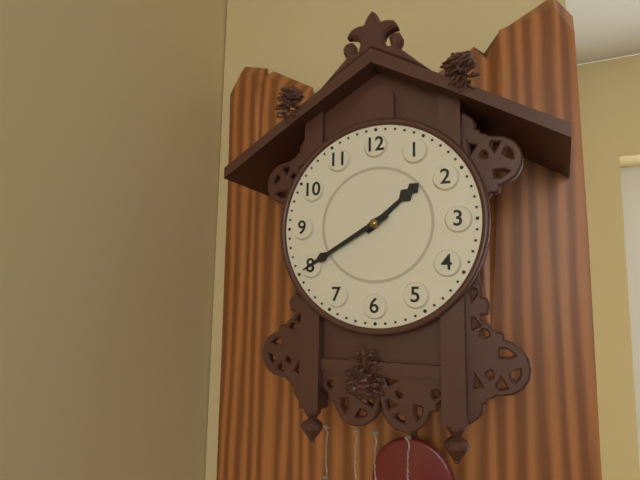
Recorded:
1.40
